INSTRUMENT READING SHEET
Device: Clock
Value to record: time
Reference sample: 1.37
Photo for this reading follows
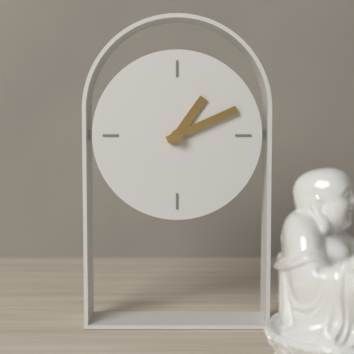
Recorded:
1.11
